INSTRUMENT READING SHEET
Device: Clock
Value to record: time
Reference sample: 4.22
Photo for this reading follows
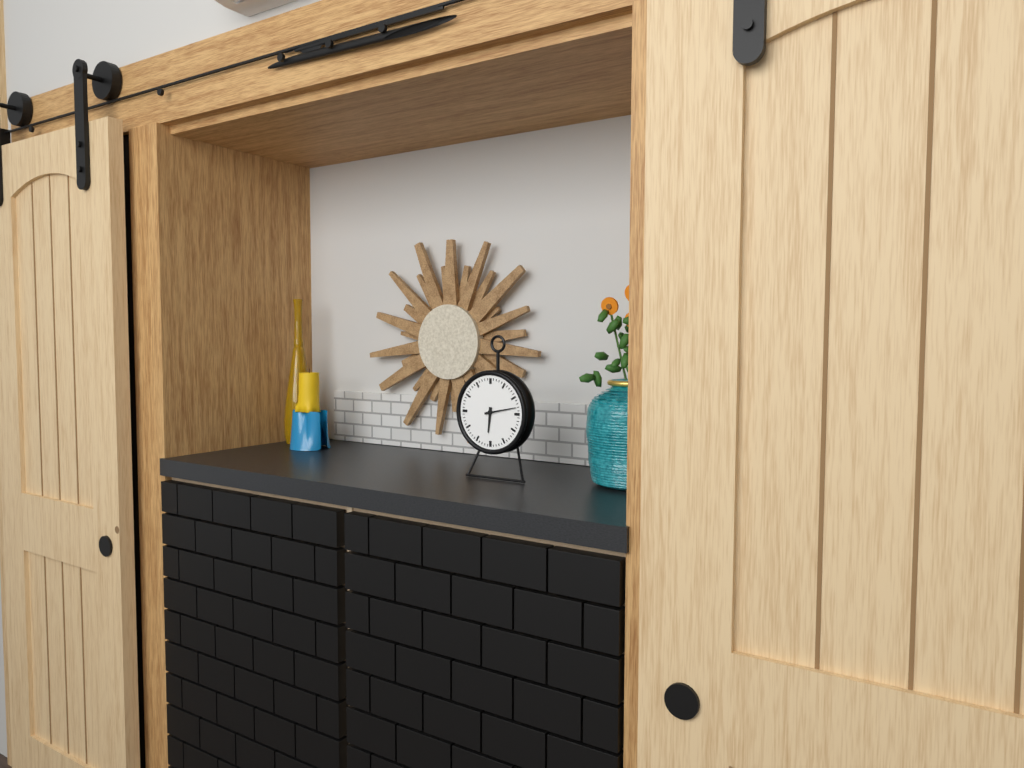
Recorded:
6.13
